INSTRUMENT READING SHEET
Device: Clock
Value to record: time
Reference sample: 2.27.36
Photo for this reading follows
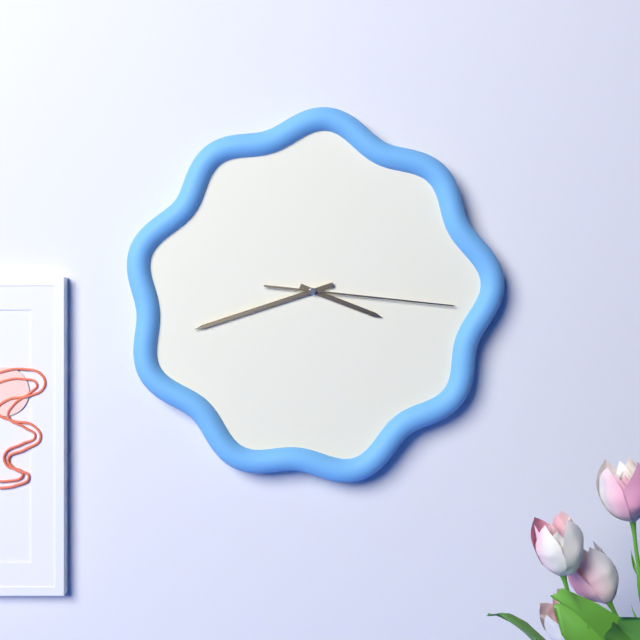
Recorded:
3.42.16
